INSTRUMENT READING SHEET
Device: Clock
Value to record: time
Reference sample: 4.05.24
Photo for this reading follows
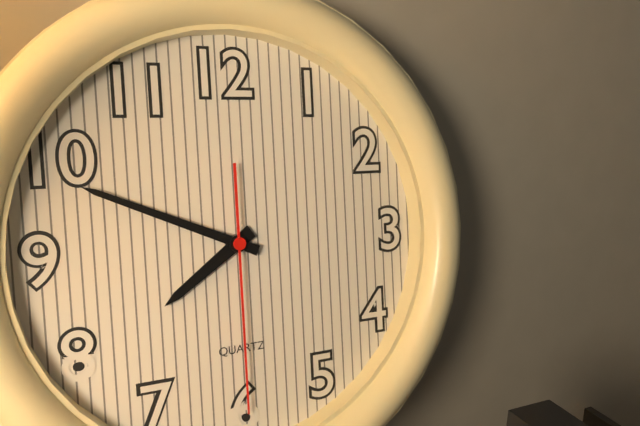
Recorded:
7.49.30
